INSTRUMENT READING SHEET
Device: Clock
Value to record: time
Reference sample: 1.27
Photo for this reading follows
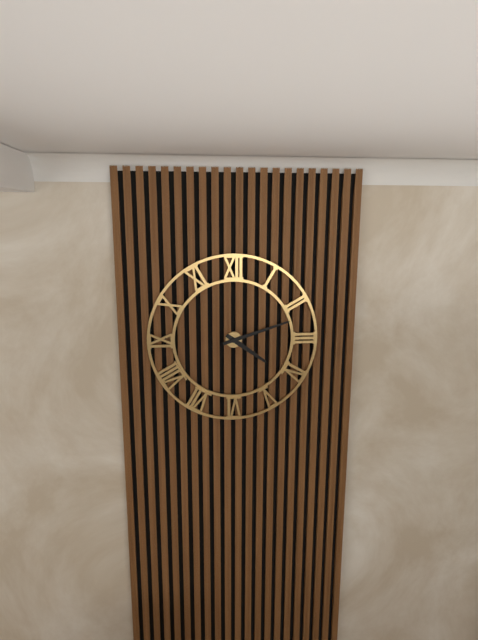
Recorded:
4.12
